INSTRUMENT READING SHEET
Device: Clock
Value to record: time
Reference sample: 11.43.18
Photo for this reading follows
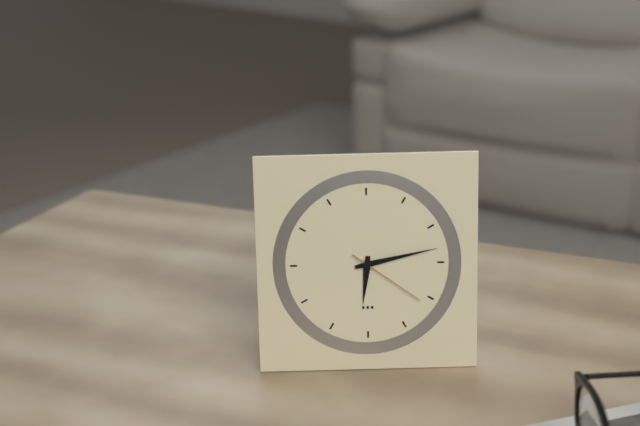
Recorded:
6.13.21
